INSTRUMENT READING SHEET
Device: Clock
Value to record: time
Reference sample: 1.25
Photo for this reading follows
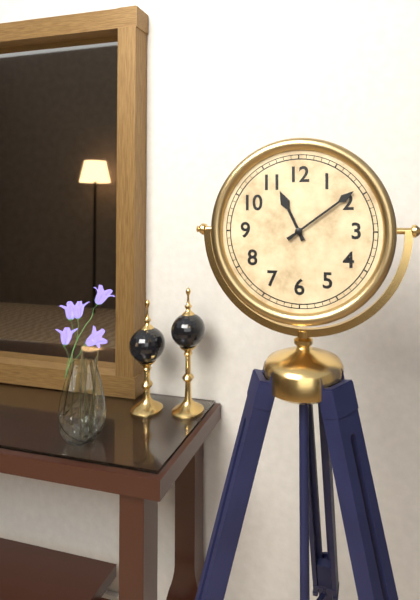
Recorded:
11.09
